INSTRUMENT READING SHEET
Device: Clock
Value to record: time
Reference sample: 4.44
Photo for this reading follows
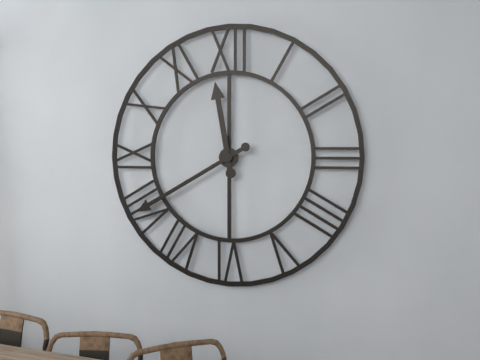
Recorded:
11.40
